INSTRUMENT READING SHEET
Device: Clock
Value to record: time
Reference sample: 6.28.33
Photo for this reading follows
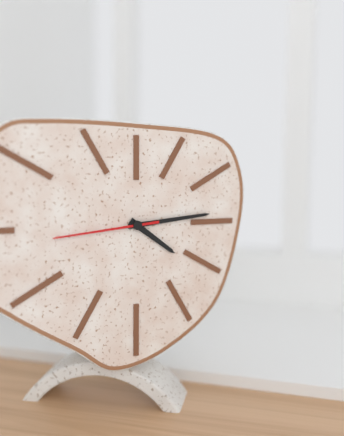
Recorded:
4.14.44
